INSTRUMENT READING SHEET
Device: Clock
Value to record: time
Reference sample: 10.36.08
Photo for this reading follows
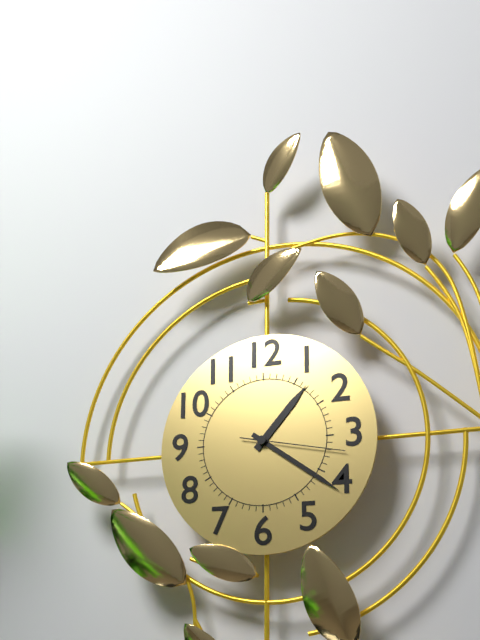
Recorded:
1.21.17
